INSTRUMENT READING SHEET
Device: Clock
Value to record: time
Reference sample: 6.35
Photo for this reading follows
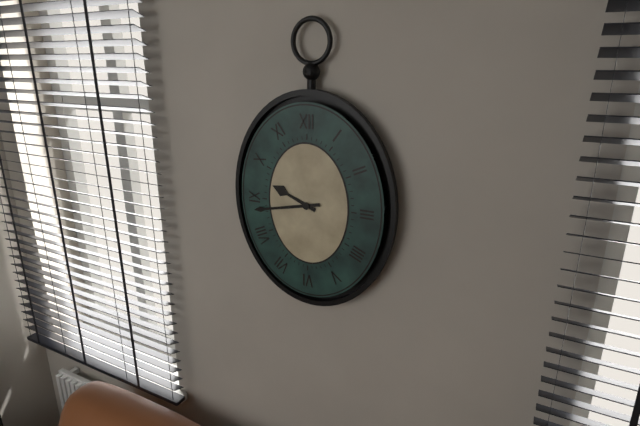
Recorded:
9.43
